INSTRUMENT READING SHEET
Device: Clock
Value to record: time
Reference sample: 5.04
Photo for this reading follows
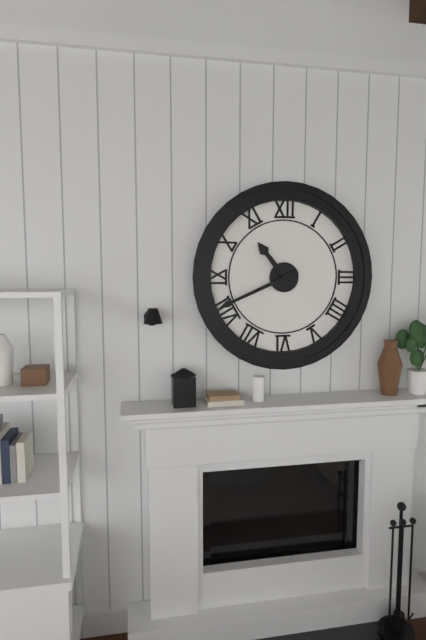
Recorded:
10.41
